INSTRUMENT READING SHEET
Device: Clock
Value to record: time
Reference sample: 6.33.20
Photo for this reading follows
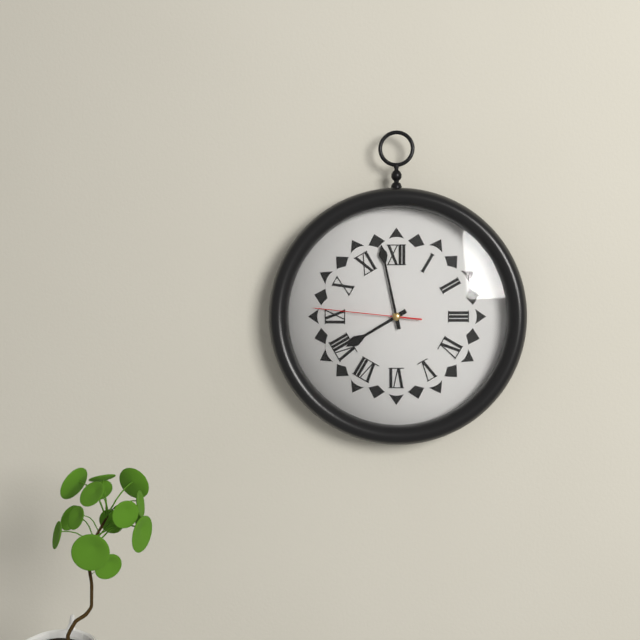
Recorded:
7.58.46
